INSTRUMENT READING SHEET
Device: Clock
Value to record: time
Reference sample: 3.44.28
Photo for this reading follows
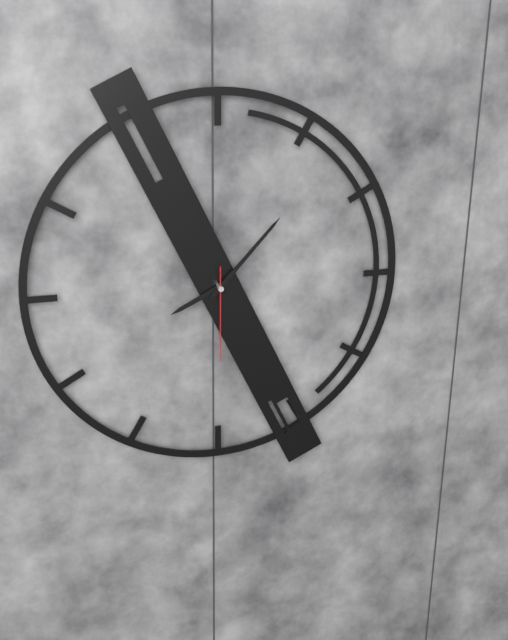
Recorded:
8.07.30
